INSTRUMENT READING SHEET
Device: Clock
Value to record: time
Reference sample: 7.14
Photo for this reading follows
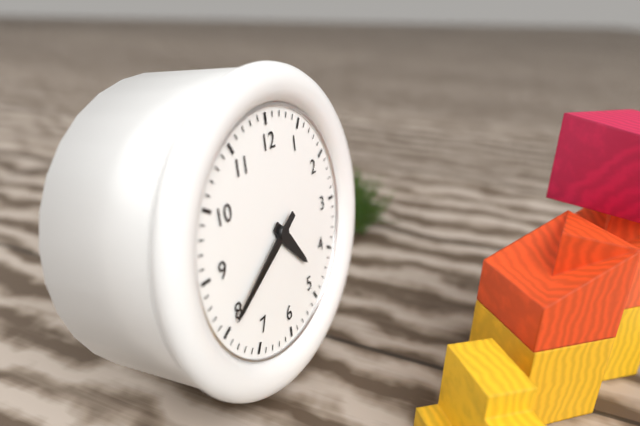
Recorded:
4.40
